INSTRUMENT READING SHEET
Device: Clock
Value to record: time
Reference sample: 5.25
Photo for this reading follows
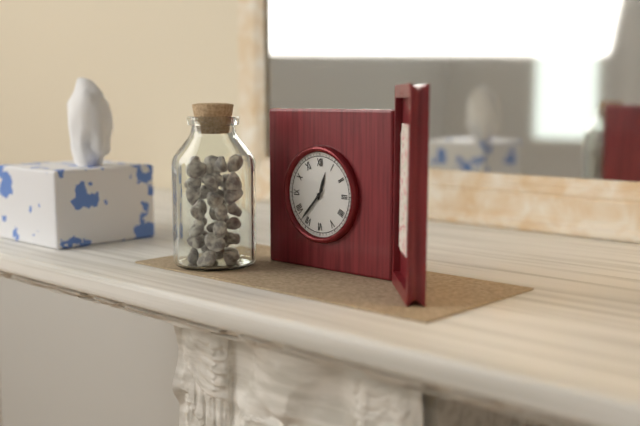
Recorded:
12.37
